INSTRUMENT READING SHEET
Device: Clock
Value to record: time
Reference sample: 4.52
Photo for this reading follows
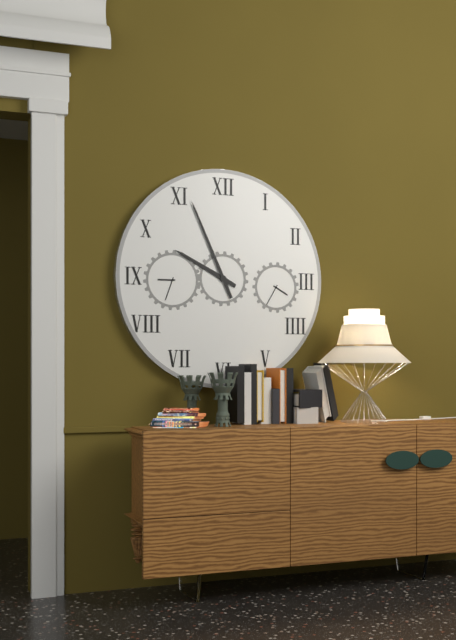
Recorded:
9.56
